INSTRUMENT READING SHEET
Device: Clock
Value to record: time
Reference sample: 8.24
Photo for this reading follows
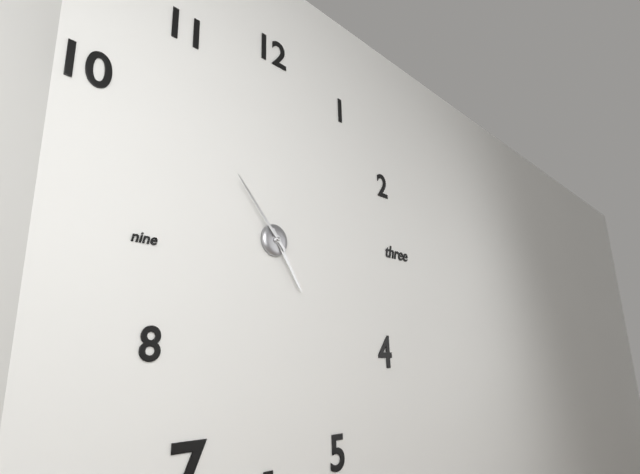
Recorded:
4.53
